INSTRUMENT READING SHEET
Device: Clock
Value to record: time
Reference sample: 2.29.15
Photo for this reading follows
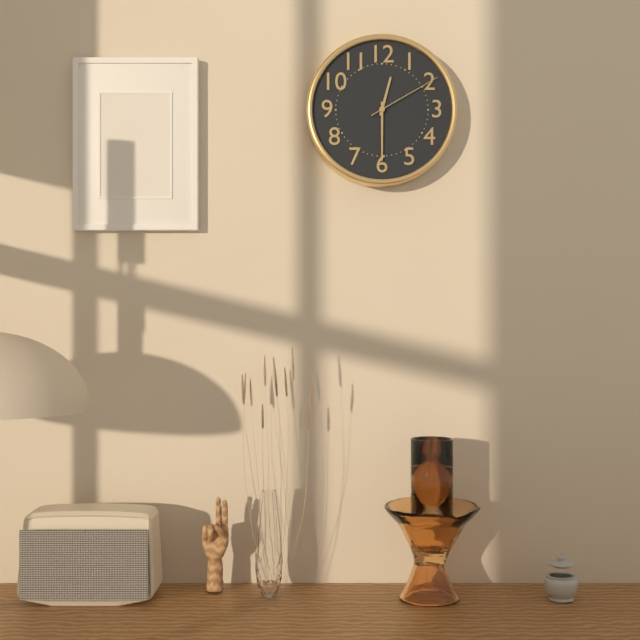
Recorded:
12.30.10
